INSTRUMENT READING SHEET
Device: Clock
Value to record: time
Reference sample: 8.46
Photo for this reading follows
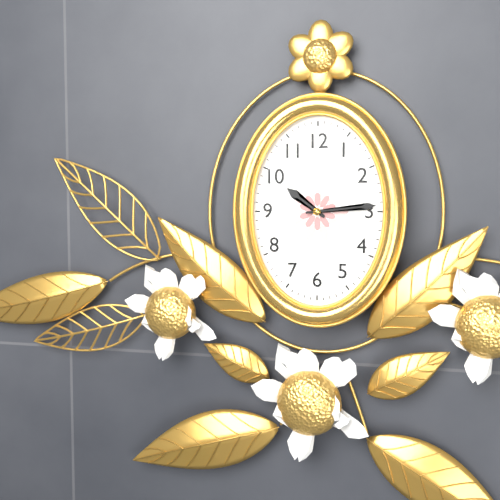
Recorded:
10.14
